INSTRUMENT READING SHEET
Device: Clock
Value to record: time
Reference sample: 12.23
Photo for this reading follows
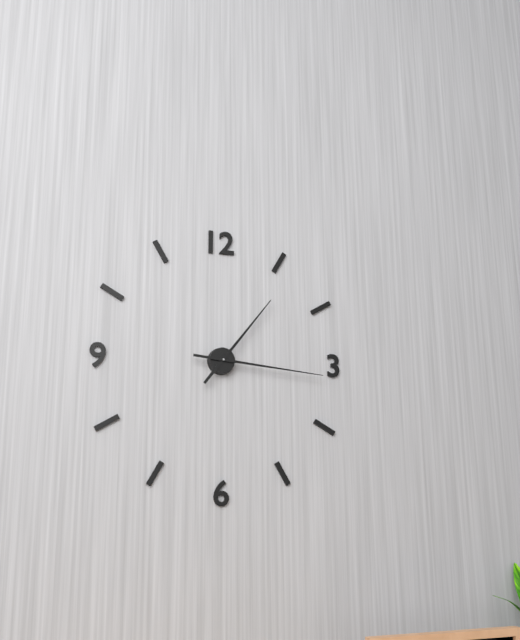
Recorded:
1.16
